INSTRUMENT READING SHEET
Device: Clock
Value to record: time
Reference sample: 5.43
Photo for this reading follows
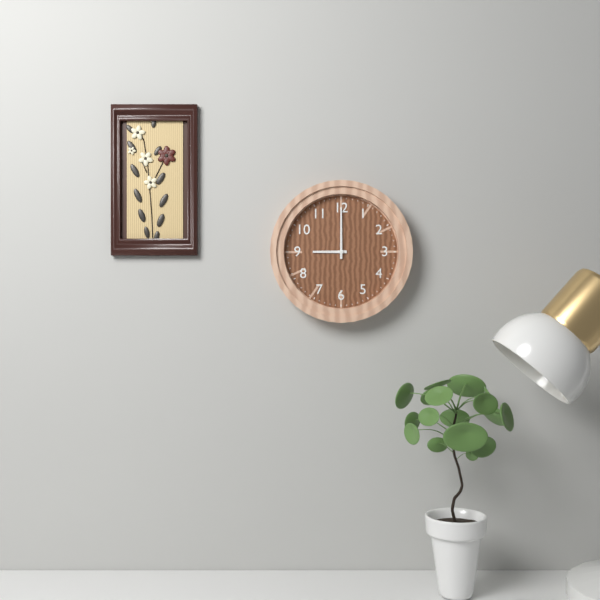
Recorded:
9.00
